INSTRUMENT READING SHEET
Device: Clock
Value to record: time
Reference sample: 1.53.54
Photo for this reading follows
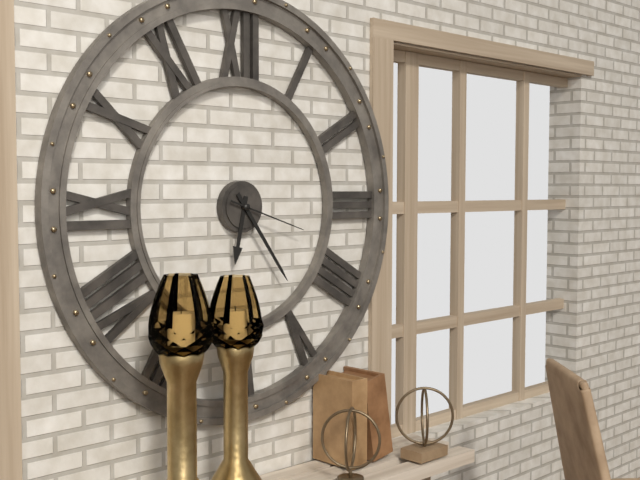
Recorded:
6.24.18
